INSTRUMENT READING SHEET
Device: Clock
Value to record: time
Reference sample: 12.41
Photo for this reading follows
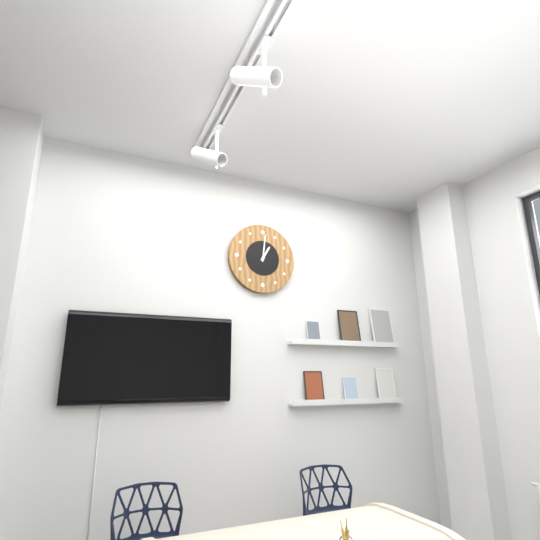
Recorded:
1.01
